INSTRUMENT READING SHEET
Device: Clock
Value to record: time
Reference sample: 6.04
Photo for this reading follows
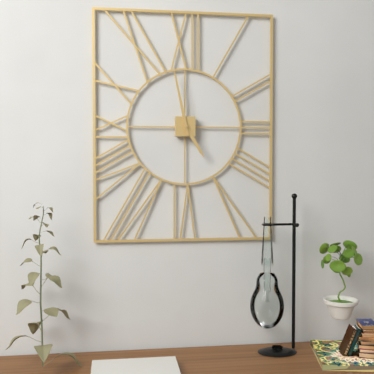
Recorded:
4.58
